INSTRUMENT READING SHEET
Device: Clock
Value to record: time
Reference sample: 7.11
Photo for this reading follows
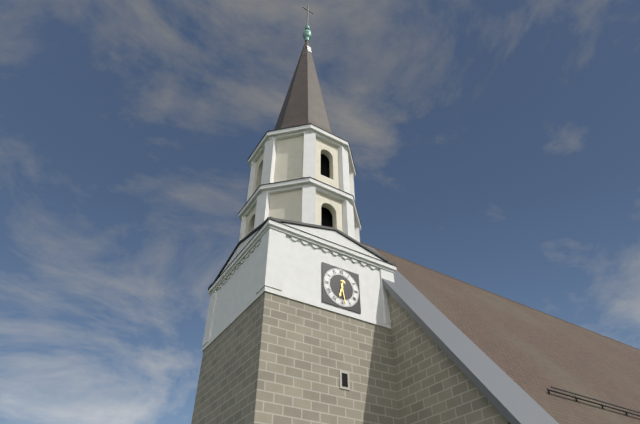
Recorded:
6.28
